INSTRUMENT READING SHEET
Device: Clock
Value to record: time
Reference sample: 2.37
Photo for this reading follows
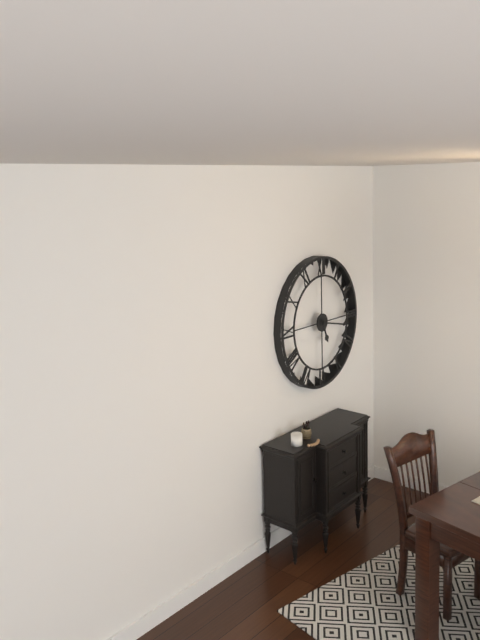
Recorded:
5.17
